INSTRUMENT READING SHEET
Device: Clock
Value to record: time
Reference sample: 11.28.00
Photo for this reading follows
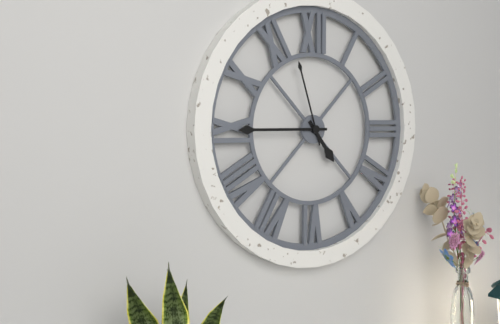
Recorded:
4.45.57
